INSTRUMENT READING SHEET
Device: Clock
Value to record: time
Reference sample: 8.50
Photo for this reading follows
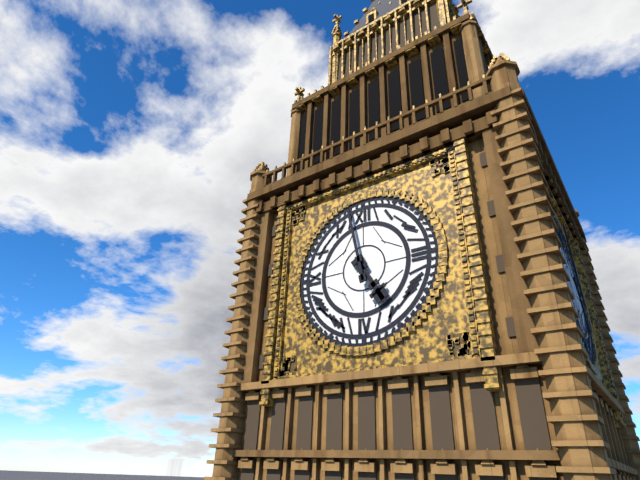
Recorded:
4.58
